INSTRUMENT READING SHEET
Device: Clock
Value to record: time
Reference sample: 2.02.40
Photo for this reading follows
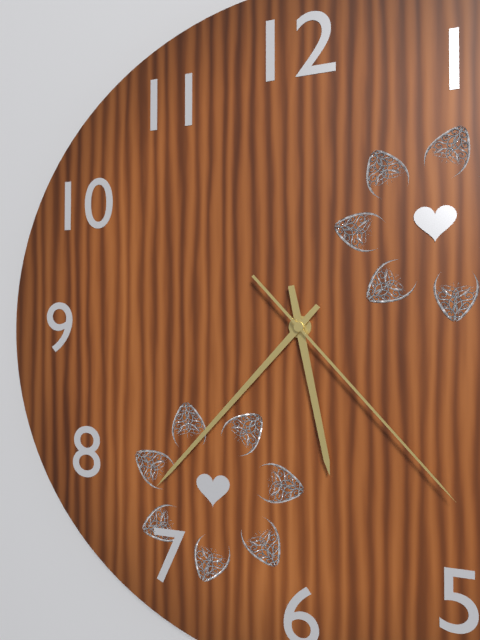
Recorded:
5.37.23
